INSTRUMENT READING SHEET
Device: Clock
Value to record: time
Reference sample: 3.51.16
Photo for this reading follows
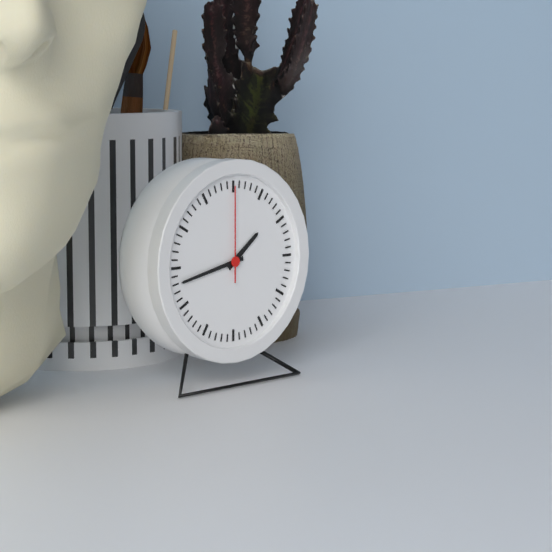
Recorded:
1.43.00
